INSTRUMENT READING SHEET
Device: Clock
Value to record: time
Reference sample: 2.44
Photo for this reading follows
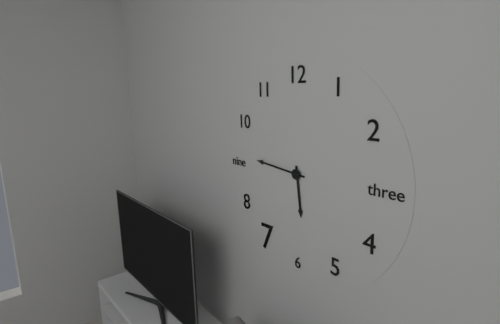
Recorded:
5.46
